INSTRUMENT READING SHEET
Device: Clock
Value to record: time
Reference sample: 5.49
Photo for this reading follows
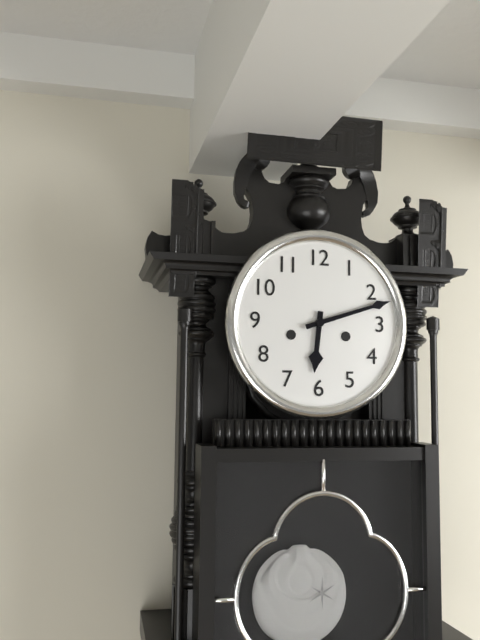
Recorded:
6.12
